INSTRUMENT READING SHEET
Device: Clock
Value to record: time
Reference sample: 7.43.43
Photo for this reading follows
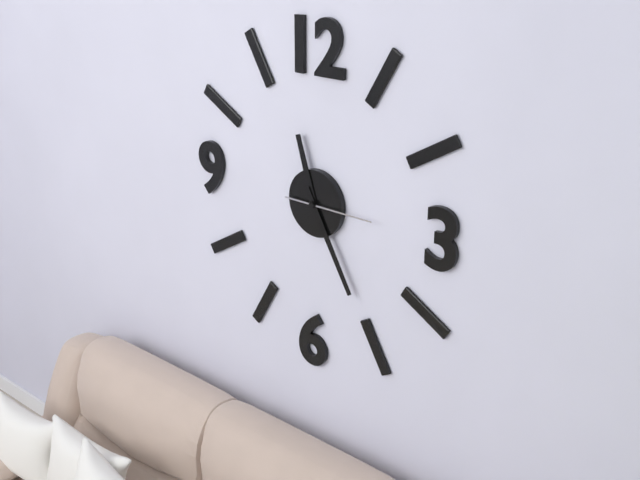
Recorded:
11.25.15
